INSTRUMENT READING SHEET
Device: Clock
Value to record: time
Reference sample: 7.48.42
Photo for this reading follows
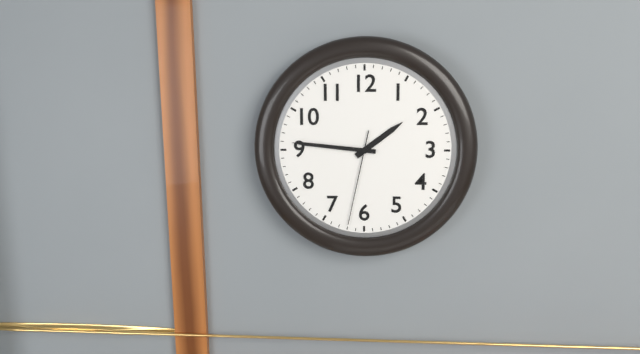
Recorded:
1.46.32
